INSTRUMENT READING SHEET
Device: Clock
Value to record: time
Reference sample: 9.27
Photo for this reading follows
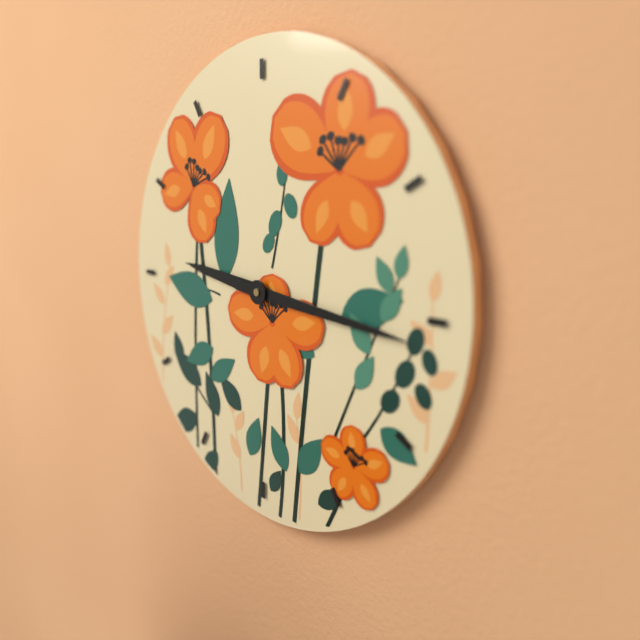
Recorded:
9.16
